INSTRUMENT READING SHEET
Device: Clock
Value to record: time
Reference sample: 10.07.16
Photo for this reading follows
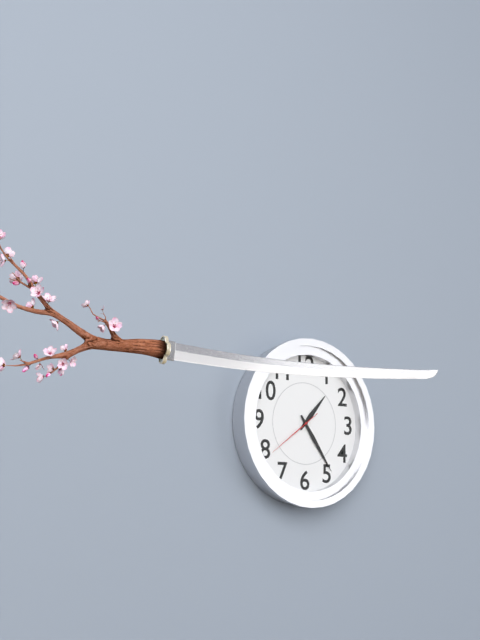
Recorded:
1.24.39
